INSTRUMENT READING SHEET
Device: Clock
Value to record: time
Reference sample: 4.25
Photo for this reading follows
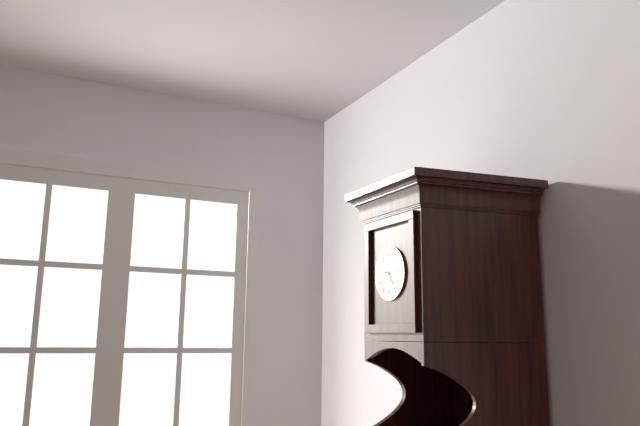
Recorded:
9.24
